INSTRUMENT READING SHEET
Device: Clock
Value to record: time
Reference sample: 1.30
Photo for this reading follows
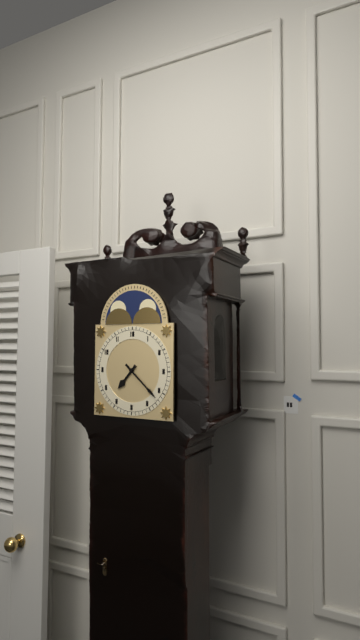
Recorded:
7.22
